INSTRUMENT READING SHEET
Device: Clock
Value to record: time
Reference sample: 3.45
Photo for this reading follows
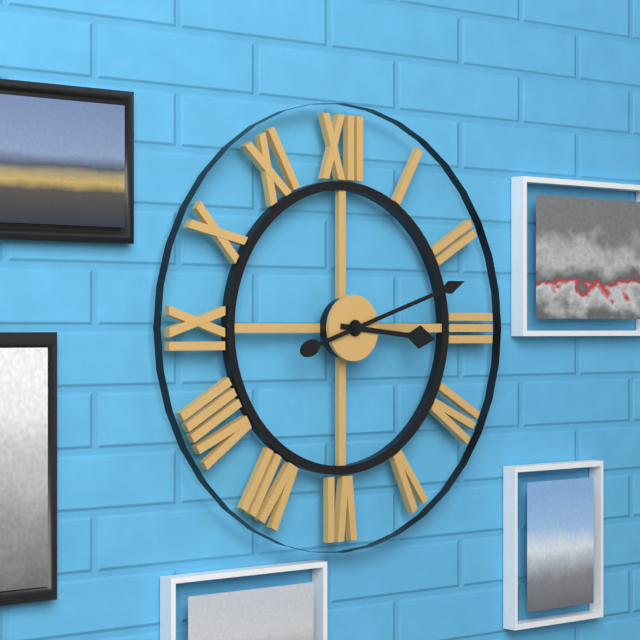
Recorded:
3.12
